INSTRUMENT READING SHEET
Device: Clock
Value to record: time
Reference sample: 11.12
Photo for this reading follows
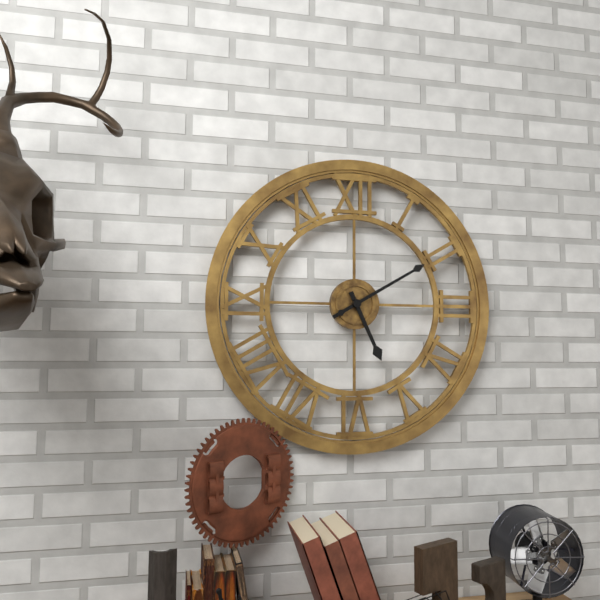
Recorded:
5.10
